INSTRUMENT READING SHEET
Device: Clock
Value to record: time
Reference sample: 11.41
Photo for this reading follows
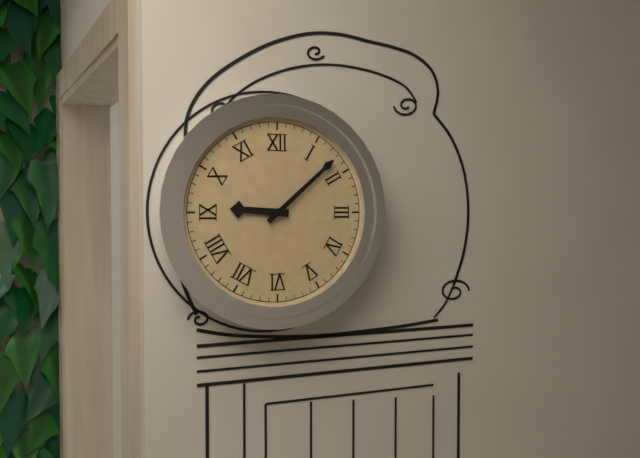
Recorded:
9.08
